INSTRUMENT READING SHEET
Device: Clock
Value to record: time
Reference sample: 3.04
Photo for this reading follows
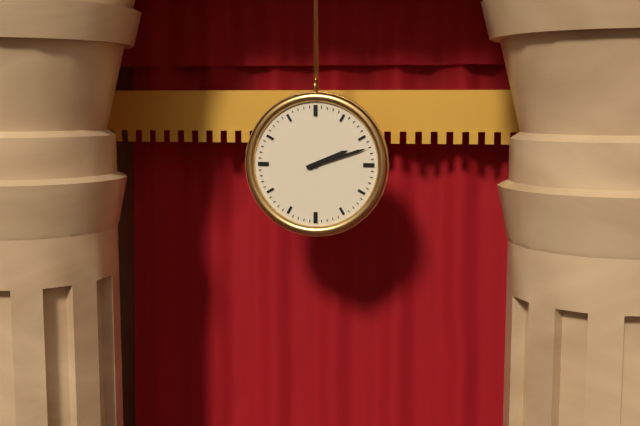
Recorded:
2.12
